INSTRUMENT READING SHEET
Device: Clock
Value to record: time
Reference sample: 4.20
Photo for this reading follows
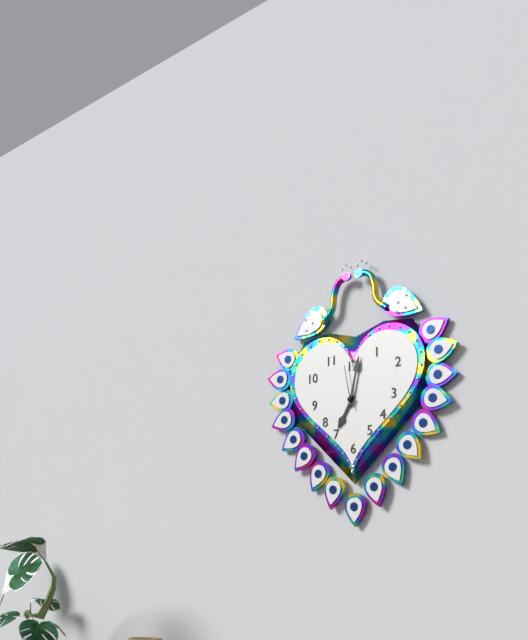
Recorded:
7.02
